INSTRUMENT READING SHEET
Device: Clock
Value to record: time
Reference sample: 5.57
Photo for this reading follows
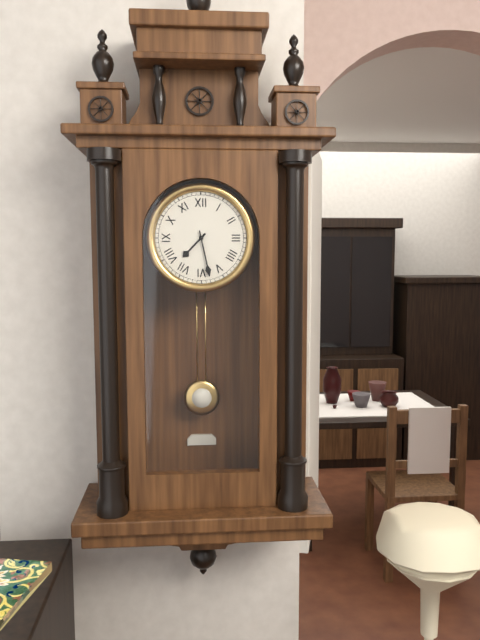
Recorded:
7.28
